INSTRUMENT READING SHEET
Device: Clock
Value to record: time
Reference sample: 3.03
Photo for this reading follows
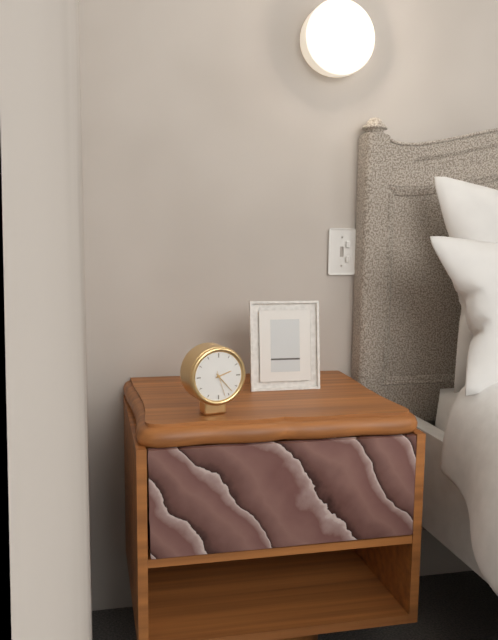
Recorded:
2.23
